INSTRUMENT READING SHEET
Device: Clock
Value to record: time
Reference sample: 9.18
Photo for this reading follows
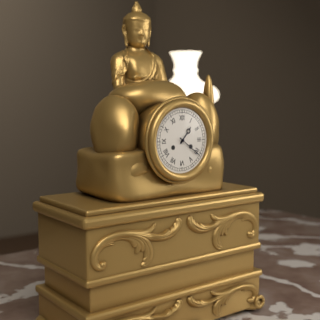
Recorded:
1.21
